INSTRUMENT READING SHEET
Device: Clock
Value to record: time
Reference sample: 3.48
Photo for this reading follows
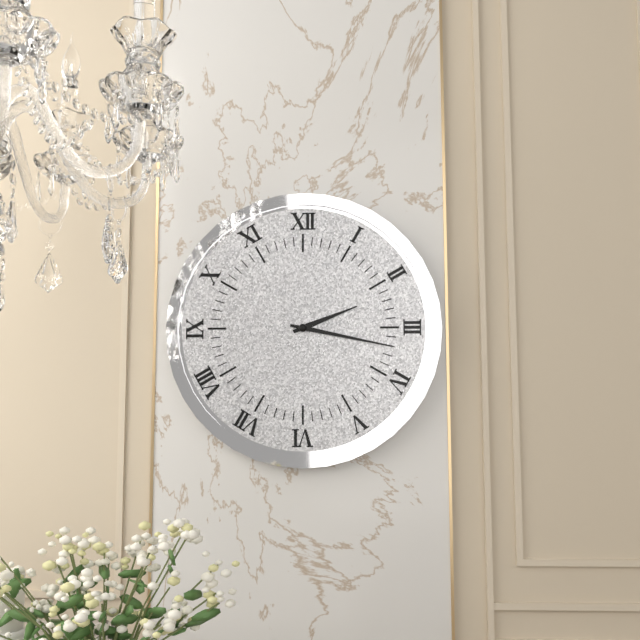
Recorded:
2.17
